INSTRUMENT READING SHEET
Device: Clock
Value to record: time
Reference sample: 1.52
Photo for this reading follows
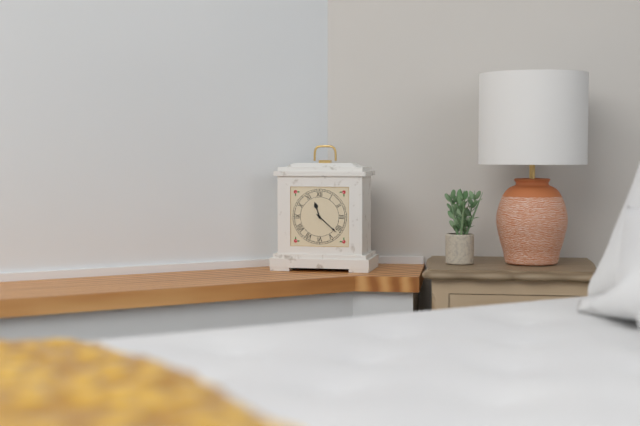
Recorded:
11.22
